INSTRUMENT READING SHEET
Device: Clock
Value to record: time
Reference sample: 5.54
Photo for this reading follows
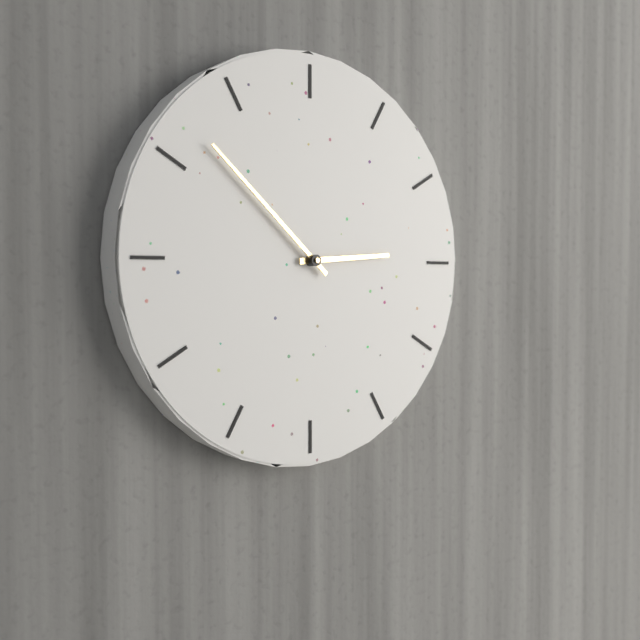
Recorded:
2.52
